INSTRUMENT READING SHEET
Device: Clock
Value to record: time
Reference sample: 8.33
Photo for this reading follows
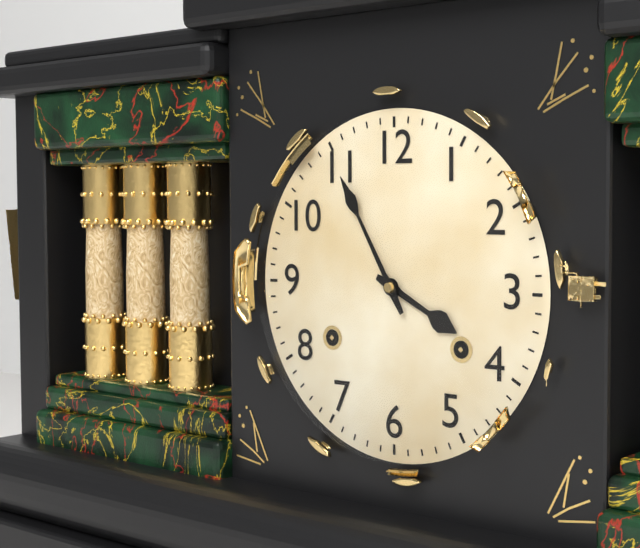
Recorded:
3.55
